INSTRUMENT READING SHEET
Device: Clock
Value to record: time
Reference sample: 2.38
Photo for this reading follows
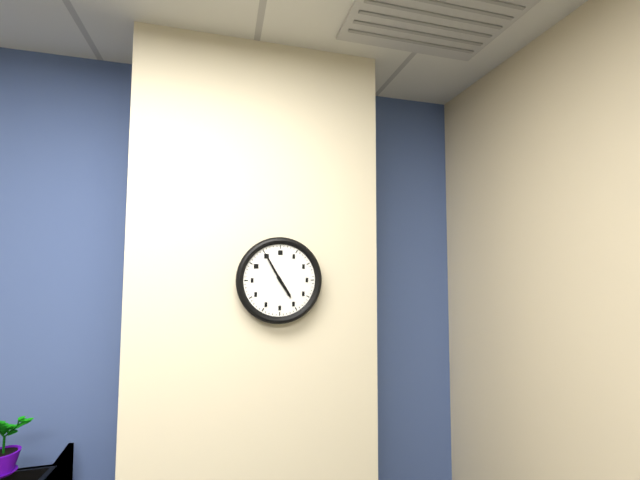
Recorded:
4.55
